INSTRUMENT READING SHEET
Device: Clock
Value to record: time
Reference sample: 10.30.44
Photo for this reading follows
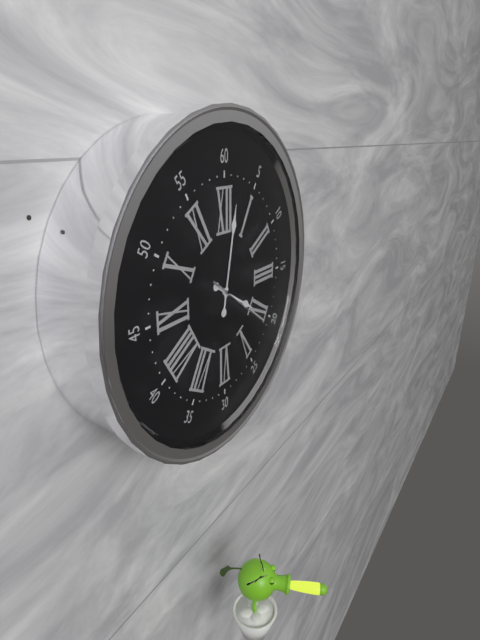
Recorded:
4.02.21
